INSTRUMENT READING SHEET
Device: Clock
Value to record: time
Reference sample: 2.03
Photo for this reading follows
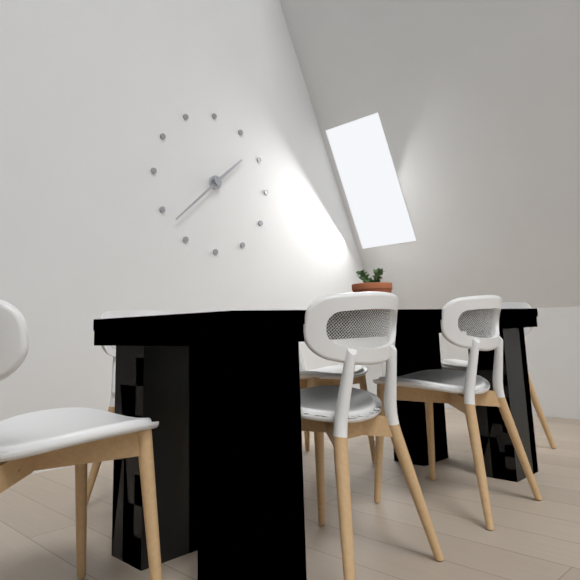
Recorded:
1.38
